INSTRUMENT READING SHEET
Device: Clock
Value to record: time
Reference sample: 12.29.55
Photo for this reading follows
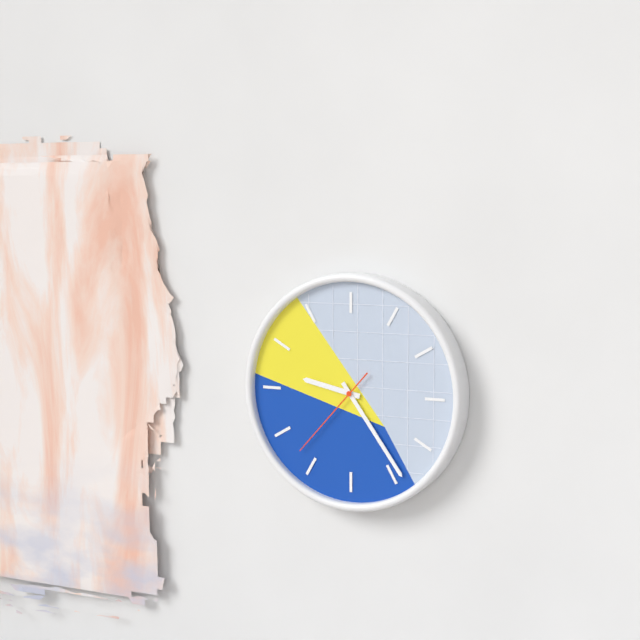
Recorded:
9.24.37
